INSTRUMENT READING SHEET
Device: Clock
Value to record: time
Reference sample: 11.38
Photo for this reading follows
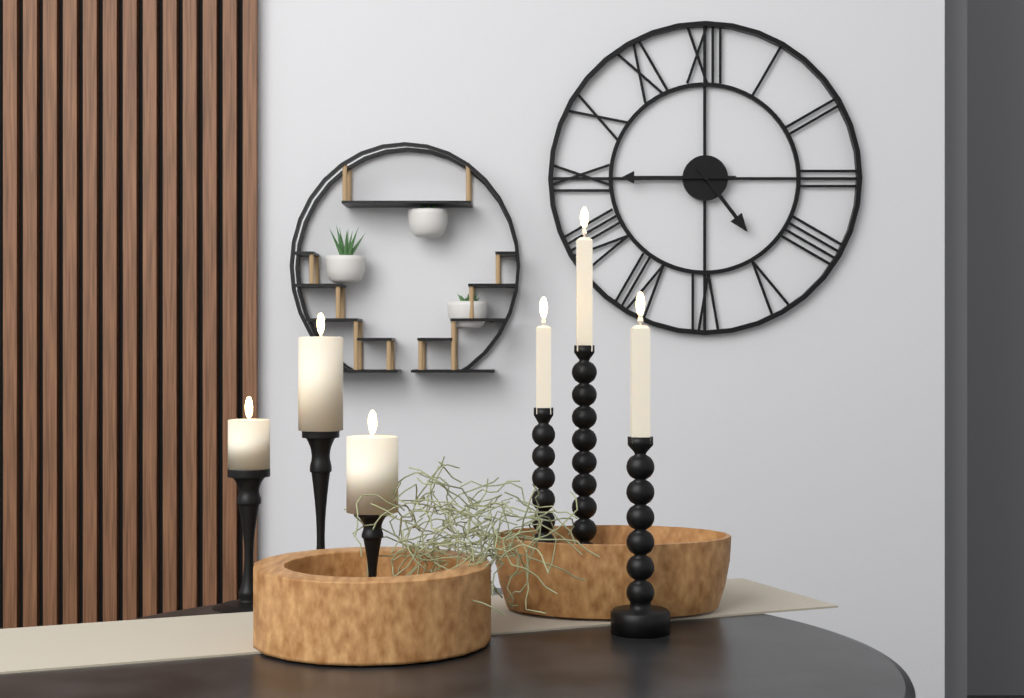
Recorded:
4.45
